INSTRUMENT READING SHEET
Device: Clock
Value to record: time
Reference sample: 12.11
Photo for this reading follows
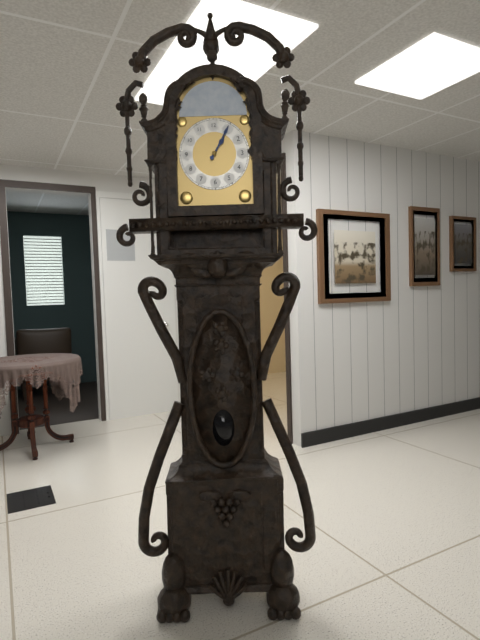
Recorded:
1.05
